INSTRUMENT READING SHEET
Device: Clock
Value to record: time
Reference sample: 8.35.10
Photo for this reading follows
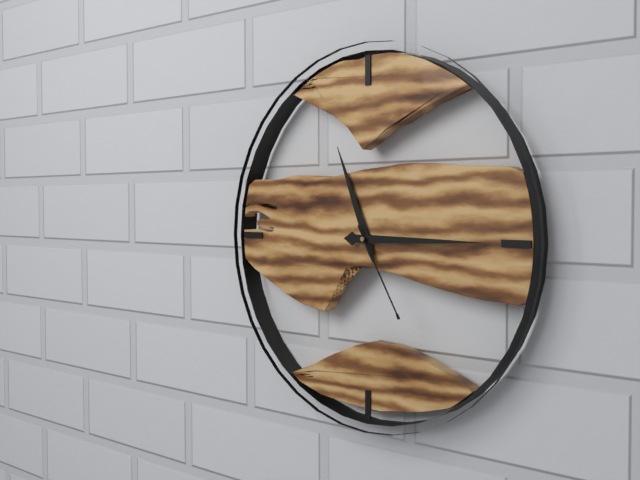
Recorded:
11.15.25
